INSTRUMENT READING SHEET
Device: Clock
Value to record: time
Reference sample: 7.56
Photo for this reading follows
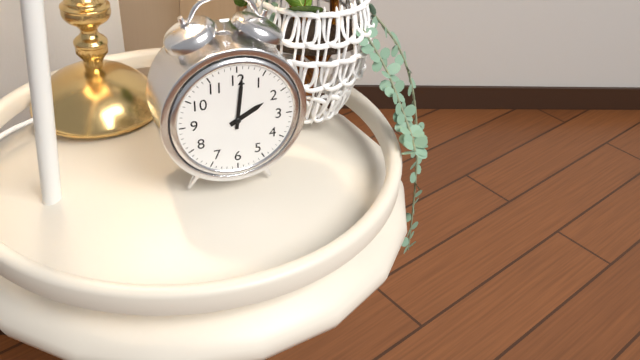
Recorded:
2.01
